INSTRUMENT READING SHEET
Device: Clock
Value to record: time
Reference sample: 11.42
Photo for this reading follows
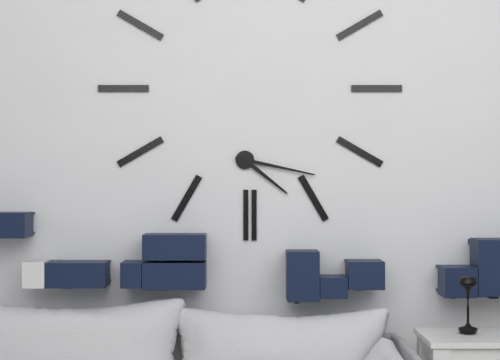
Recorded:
4.17
